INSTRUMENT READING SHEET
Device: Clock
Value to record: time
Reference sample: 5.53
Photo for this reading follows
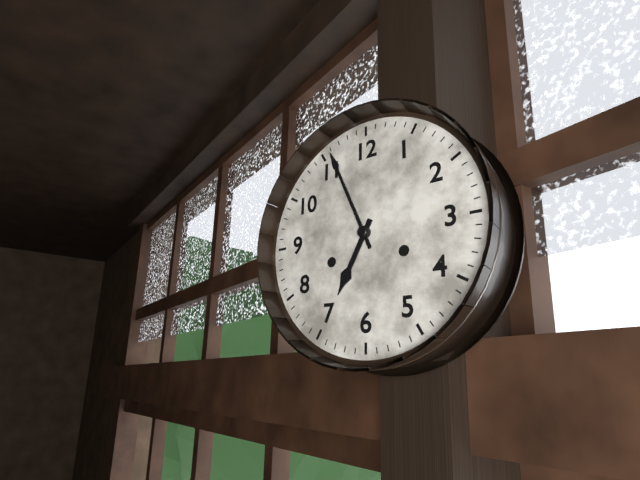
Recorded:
6.56
